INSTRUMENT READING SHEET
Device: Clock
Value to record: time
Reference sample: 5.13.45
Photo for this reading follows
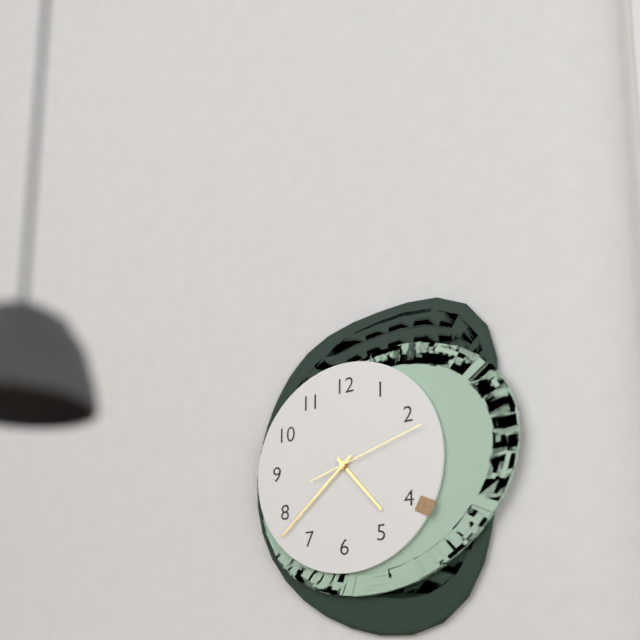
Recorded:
4.38.12
